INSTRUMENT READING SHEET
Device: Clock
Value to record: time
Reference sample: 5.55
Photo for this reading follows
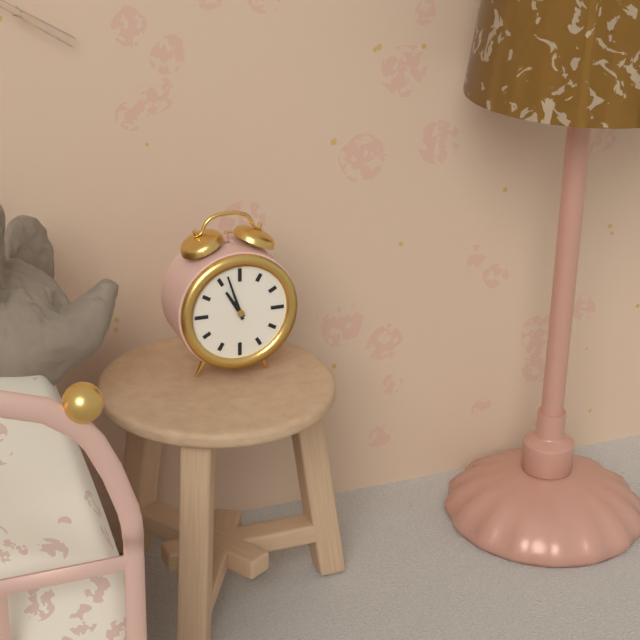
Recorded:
10.57
